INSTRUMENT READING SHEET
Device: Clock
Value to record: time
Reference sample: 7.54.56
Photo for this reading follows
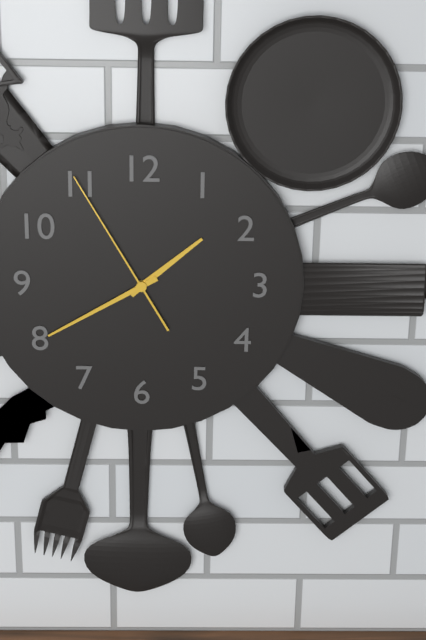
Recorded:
1.40.55
